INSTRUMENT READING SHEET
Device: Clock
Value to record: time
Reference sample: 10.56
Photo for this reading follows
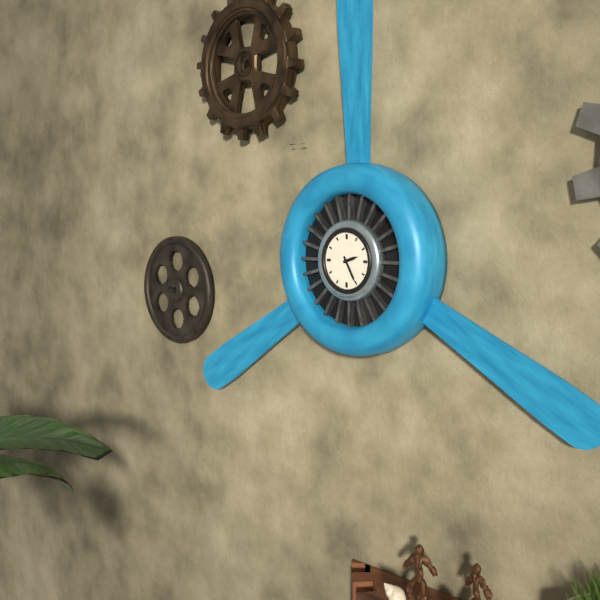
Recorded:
2.25
